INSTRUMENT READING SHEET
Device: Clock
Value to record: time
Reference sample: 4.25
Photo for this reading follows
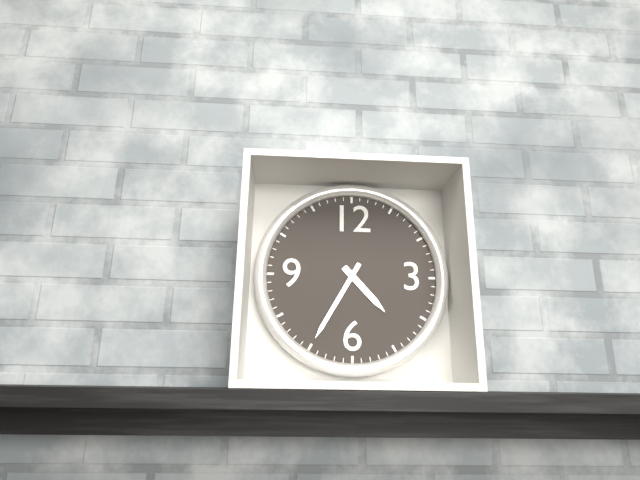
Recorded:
4.35
